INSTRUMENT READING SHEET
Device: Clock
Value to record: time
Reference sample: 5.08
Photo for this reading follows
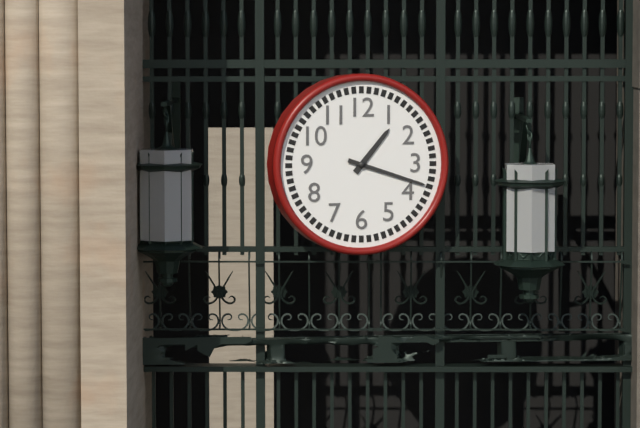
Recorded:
1.18
